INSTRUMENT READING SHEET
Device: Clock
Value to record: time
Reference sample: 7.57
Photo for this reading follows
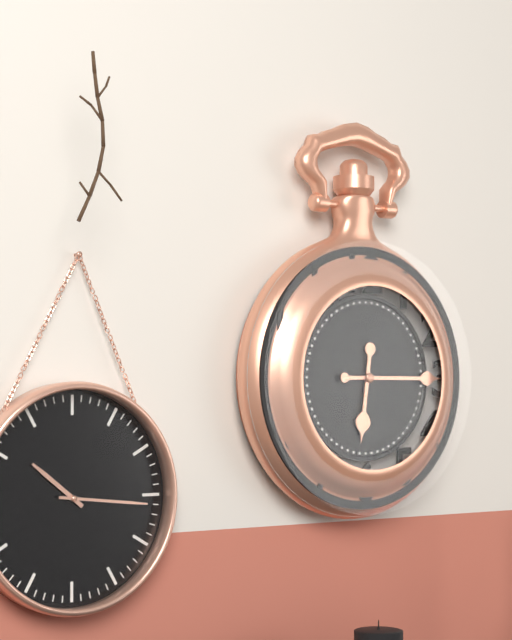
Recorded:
6.15
